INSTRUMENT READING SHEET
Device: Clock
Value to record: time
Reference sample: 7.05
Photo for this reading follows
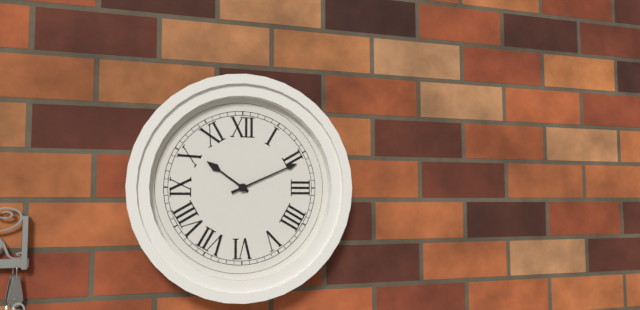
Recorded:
10.11
